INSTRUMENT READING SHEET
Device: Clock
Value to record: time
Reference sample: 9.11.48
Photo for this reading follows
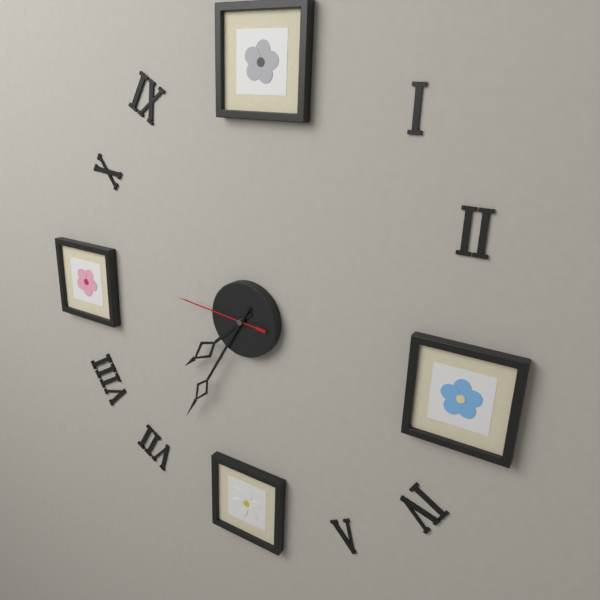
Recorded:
7.35.46
